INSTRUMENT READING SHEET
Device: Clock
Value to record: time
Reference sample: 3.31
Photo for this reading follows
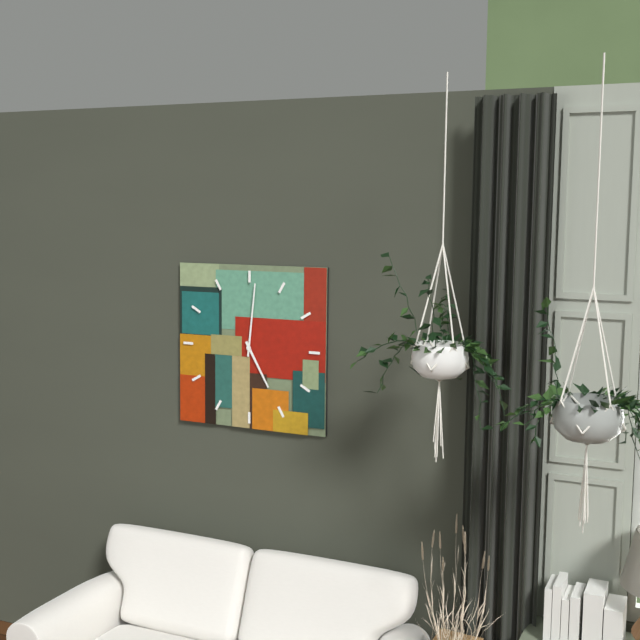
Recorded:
5.01
